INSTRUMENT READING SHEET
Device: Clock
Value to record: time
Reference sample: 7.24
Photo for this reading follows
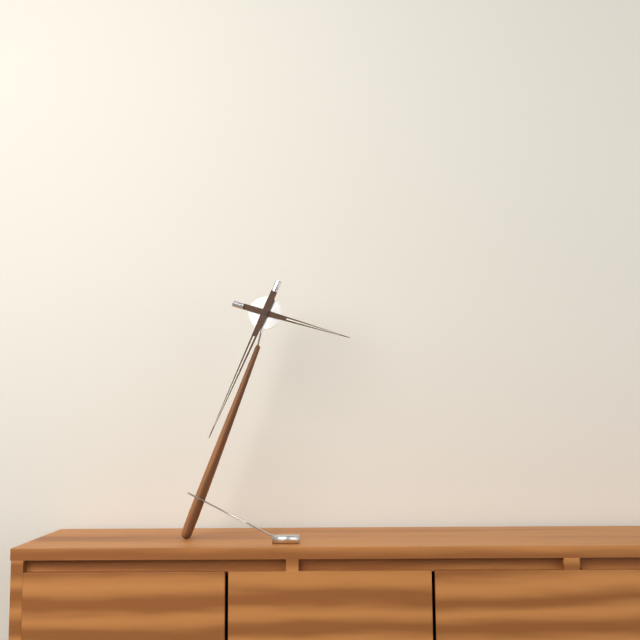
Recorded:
3.34
